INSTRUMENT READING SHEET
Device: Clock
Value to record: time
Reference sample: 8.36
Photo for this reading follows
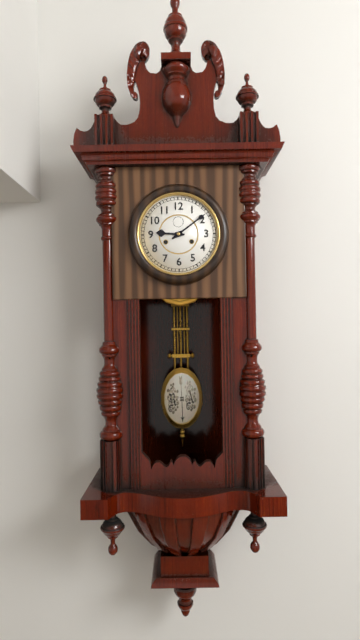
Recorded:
9.09
